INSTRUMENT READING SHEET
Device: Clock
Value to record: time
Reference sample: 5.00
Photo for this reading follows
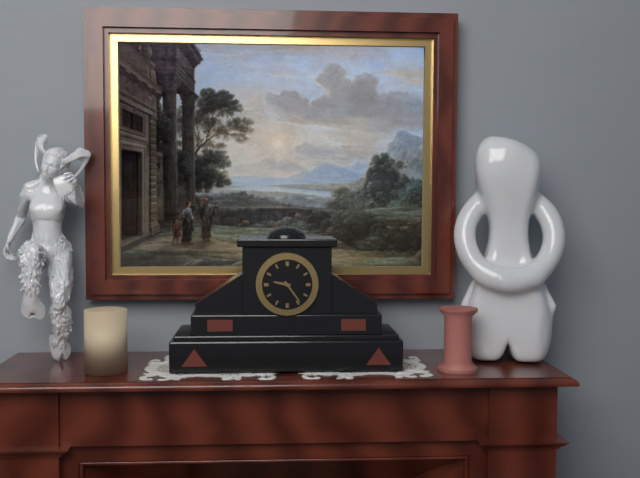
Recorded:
9.24
